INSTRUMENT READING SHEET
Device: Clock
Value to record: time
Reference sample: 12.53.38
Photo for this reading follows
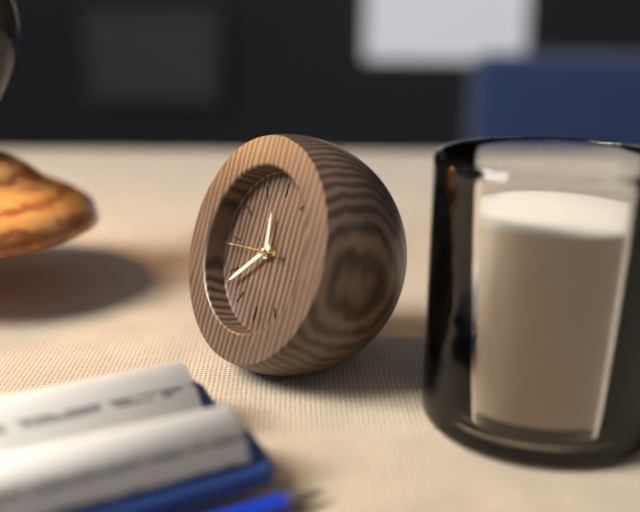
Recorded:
11.38.44
